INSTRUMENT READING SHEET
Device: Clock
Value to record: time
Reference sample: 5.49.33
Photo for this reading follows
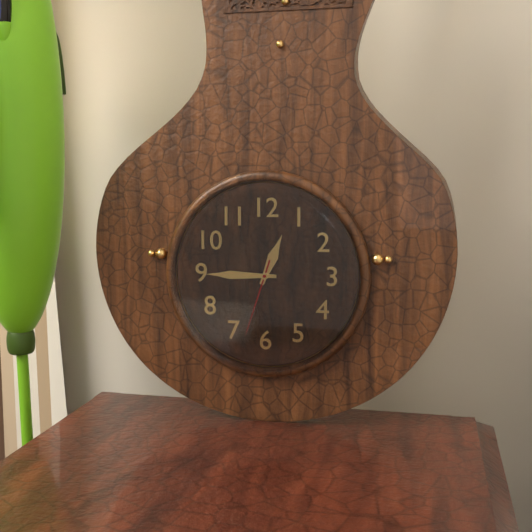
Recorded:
12.45.33
